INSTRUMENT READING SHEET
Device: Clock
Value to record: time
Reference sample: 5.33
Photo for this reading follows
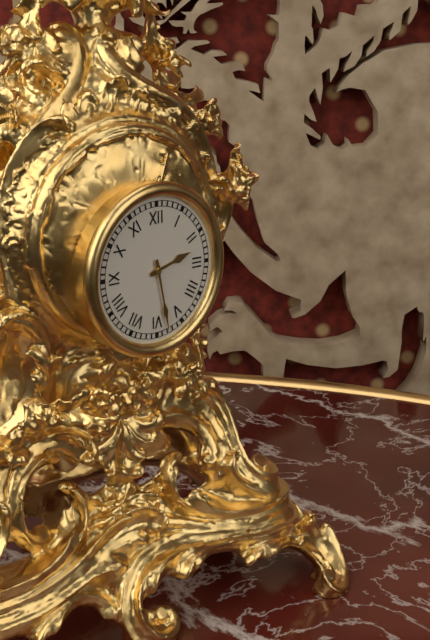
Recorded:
2.28
